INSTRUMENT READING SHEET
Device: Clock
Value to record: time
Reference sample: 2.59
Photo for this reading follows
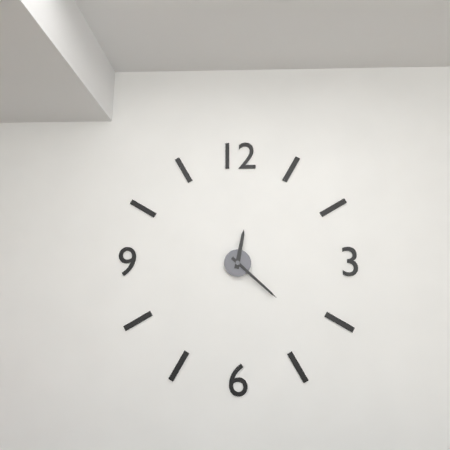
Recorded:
12.22
